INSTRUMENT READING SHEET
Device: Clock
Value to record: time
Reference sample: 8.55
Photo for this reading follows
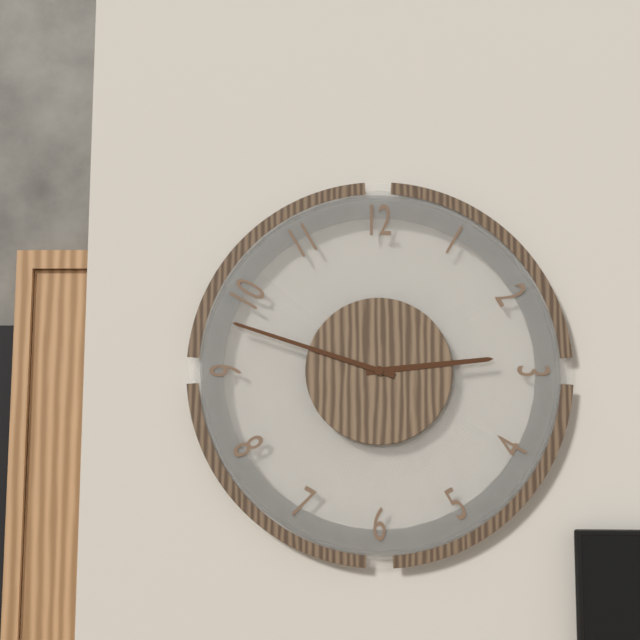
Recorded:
2.48
